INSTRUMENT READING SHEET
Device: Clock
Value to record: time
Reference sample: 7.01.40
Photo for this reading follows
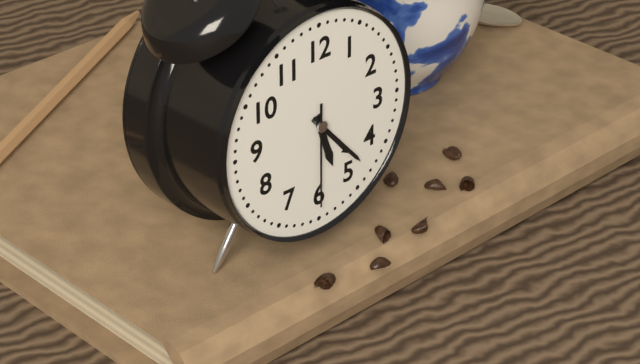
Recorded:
5.23.30
